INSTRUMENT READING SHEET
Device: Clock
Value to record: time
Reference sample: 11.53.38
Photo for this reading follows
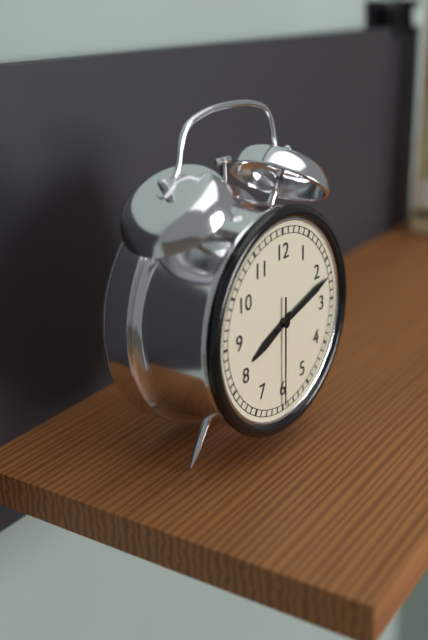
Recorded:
8.12.30
